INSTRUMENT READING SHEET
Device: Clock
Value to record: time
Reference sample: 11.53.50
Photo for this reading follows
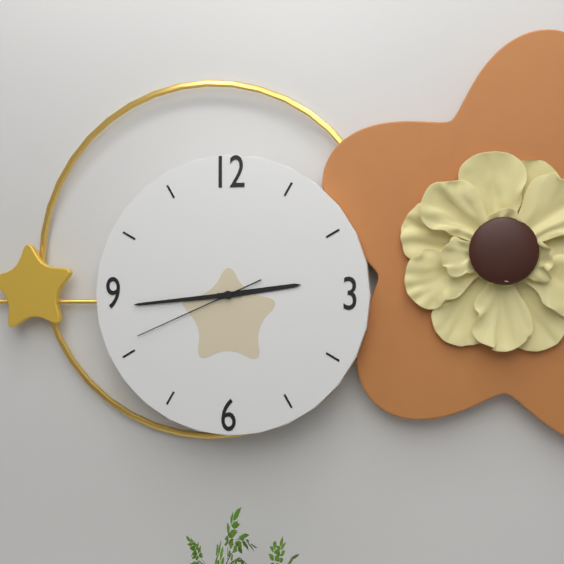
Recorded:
2.44.41
